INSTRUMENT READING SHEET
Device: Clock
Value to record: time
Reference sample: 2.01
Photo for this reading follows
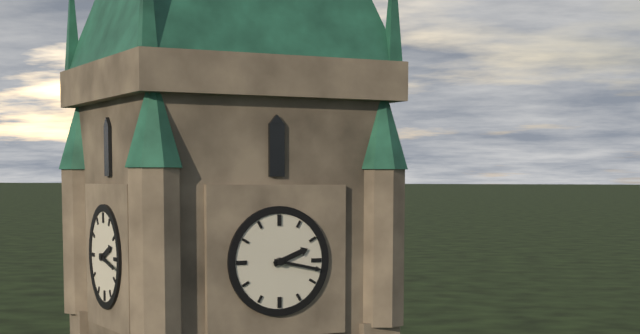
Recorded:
2.17
